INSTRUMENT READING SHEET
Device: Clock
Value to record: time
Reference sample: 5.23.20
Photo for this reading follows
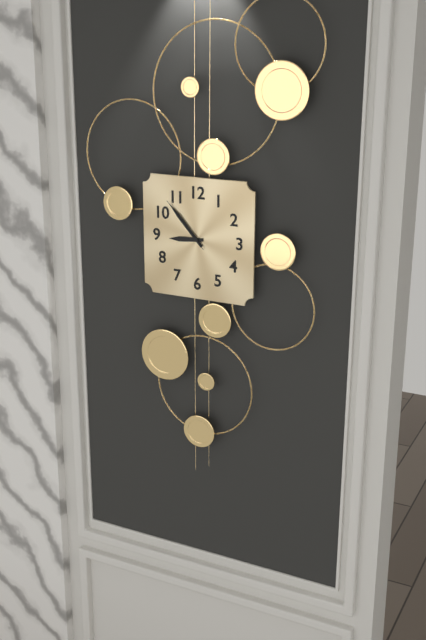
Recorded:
8.53.53
